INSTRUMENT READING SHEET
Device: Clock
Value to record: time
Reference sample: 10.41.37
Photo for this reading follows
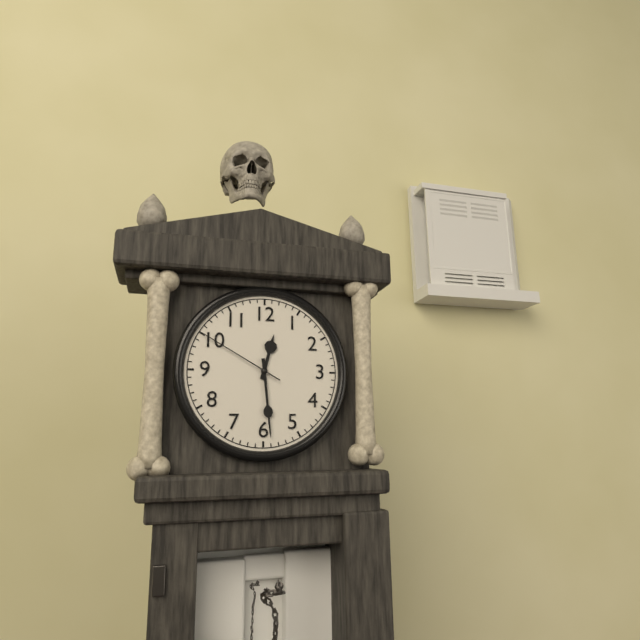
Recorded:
12.29.50
